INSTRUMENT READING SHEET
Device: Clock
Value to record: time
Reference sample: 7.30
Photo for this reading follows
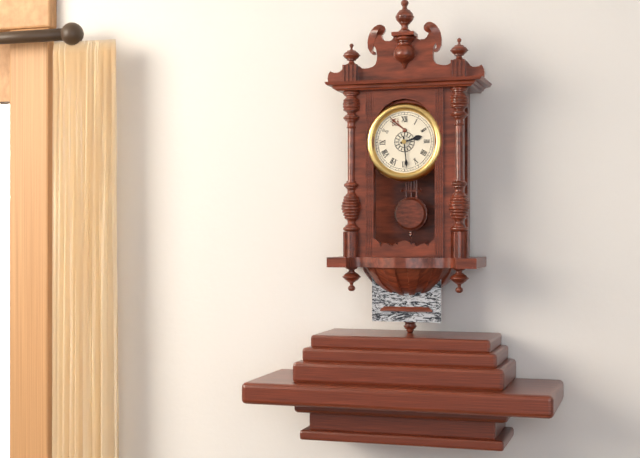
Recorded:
2.29
